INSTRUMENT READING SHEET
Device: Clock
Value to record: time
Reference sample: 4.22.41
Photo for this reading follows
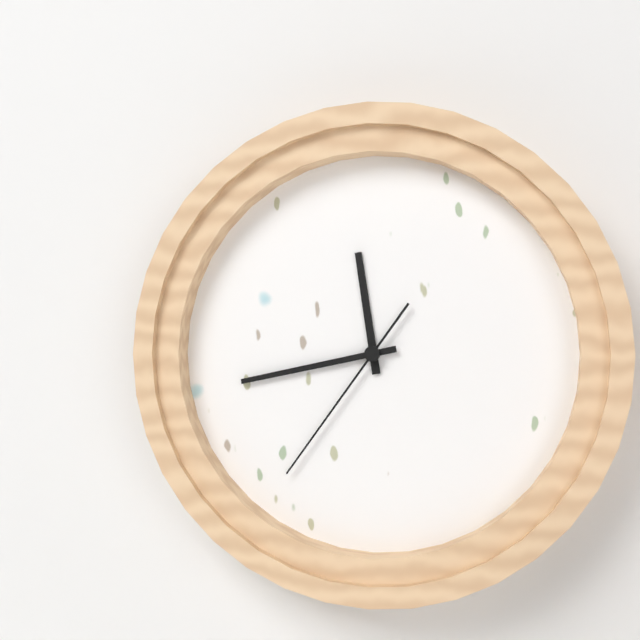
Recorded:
11.43.36
